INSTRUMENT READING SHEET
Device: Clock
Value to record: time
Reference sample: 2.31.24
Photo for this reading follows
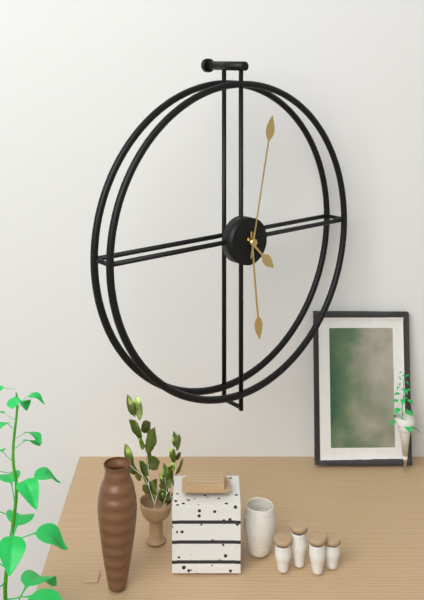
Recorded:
4.29.02
